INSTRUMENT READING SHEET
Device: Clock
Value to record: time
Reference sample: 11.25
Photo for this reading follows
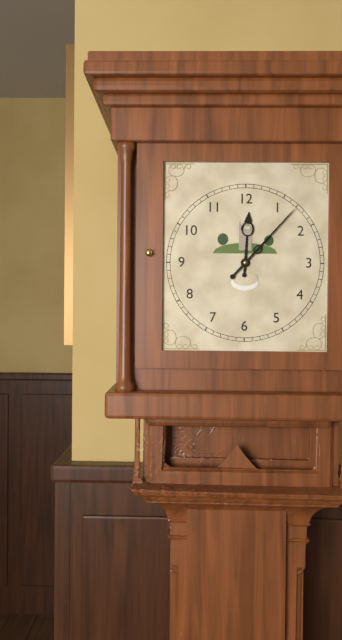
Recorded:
12.07
